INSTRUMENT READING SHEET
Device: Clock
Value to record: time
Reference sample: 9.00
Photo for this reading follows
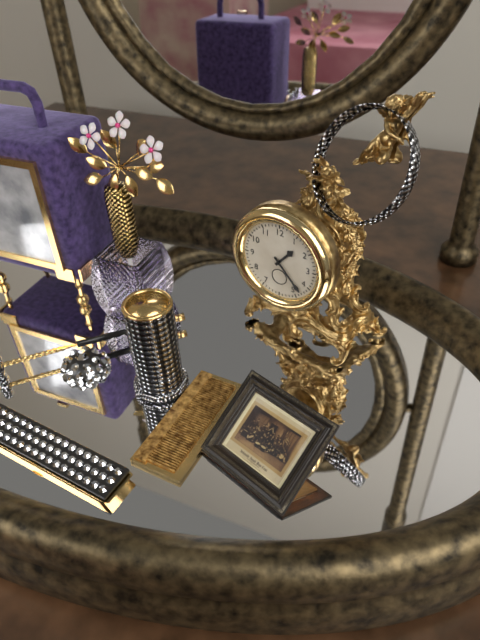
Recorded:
1.23
